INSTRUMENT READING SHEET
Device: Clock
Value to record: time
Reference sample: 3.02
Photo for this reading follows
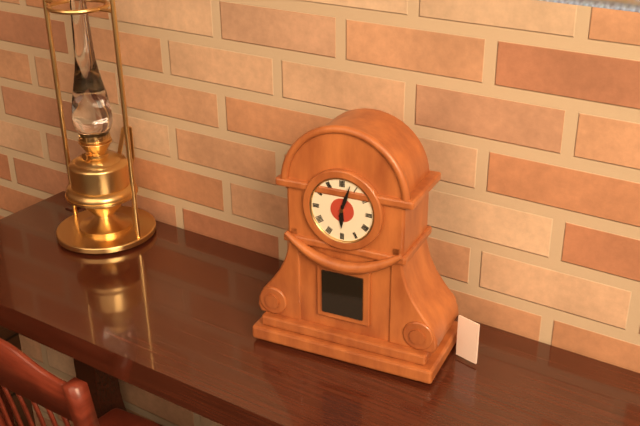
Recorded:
6.03
